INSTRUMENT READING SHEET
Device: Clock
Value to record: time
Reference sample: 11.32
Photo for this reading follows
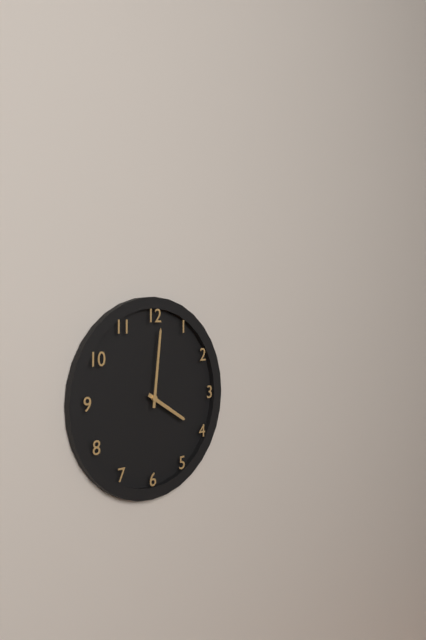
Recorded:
4.01
